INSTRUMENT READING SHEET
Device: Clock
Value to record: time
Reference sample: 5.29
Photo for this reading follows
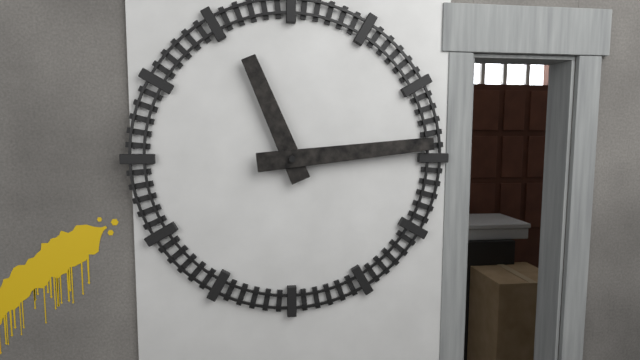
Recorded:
11.14
